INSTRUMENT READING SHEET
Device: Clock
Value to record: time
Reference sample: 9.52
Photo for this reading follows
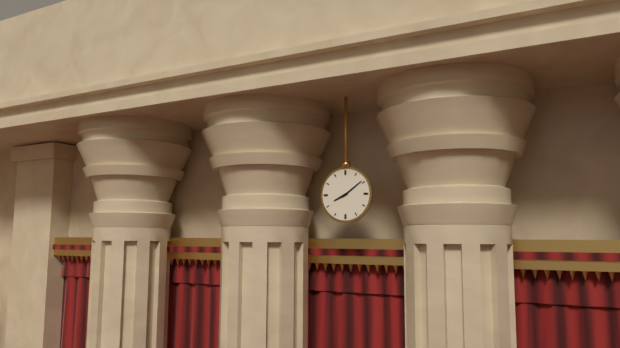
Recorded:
8.09
